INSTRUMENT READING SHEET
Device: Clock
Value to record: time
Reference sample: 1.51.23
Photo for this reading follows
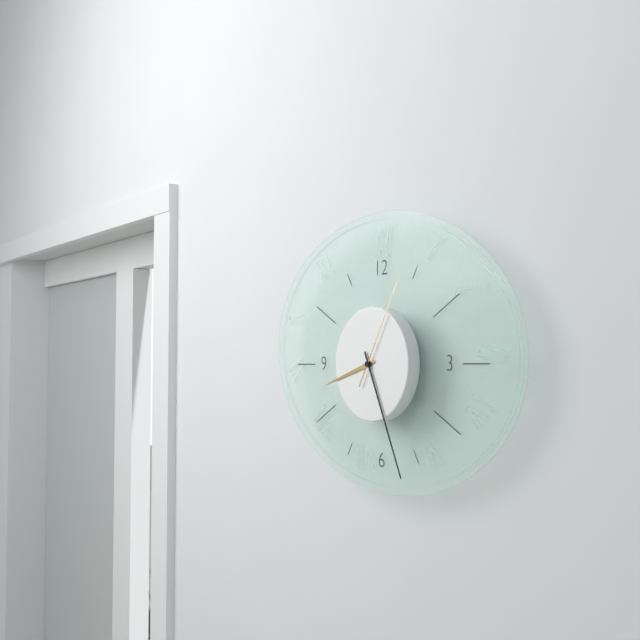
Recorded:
8.26.05
